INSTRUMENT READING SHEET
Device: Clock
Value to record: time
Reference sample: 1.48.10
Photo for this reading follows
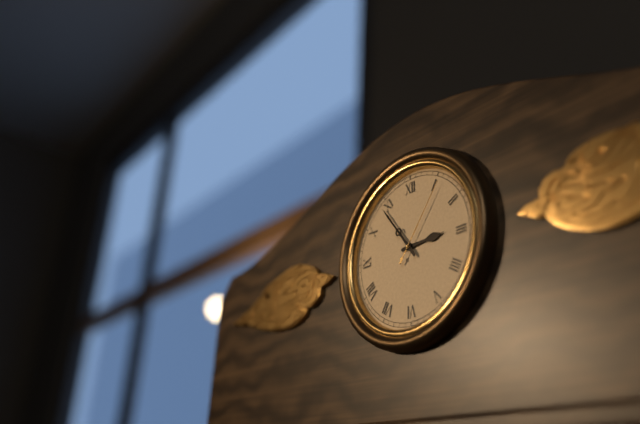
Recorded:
2.54.06
